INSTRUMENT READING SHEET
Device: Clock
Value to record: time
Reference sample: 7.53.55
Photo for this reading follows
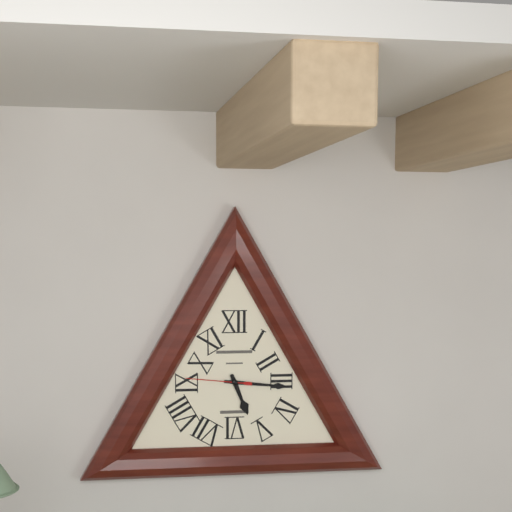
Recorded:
5.16.46
